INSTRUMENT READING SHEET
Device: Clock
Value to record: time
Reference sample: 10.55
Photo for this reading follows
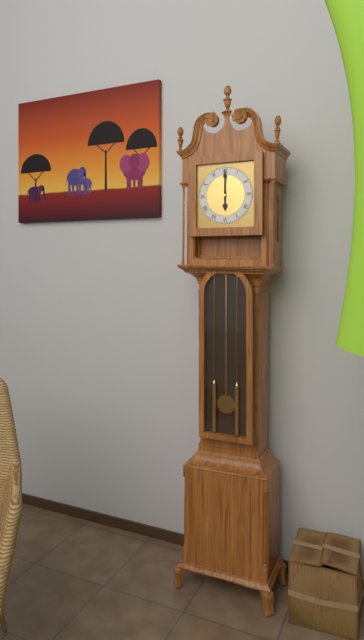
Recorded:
6.00
